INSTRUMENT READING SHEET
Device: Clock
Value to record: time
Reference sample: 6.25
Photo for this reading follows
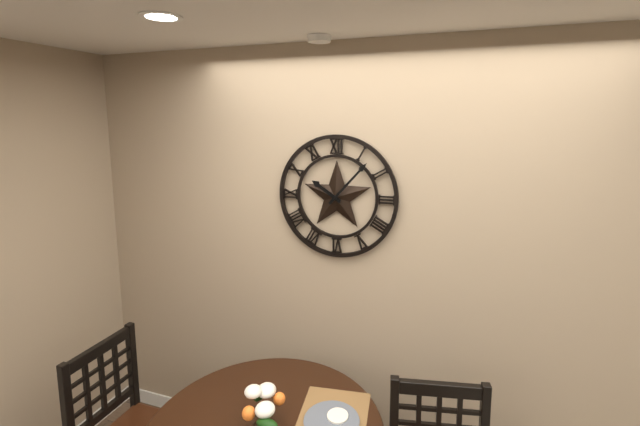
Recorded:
10.07
